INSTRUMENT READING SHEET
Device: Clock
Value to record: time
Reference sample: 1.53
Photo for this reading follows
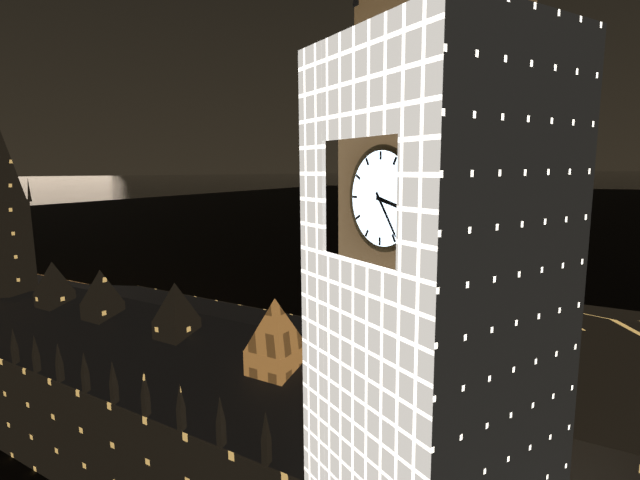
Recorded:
3.24
